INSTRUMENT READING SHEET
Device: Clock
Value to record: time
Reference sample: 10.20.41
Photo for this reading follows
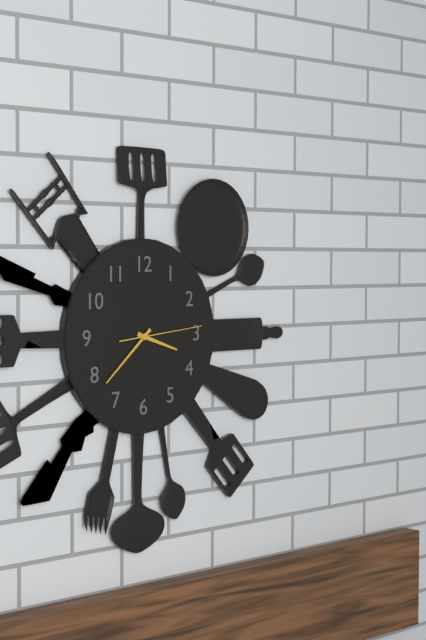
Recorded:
3.38.14
